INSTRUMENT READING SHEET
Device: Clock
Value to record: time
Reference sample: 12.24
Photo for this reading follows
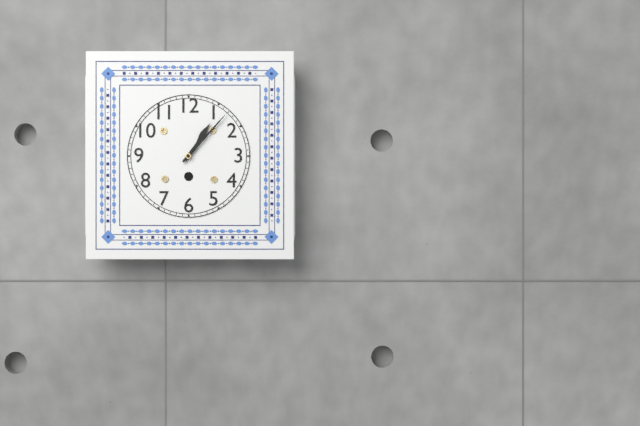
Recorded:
1.07
